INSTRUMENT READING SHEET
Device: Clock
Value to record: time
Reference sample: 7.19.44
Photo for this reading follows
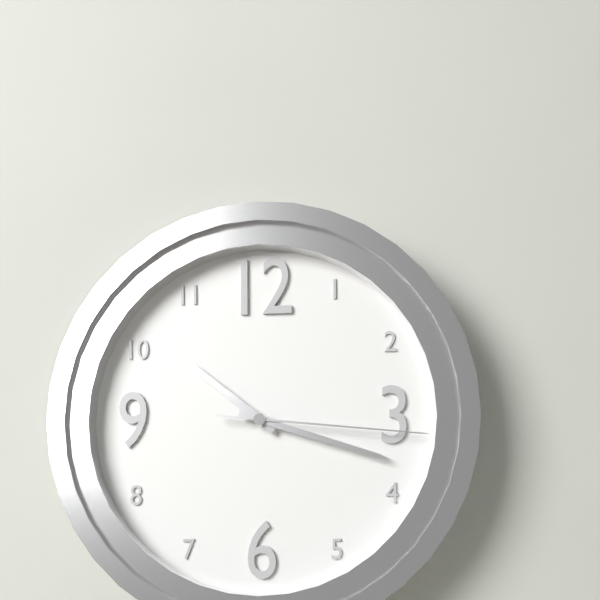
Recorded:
10.18.16
